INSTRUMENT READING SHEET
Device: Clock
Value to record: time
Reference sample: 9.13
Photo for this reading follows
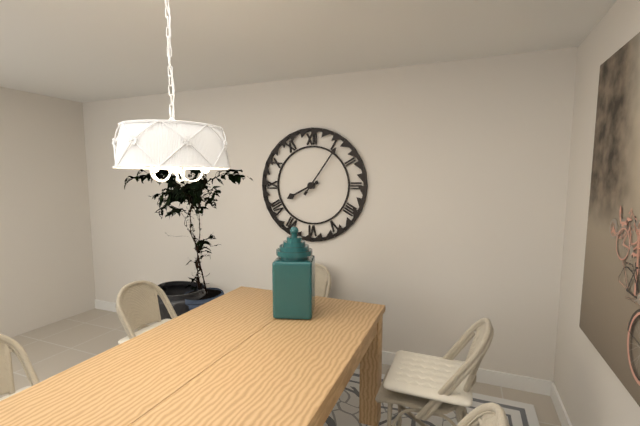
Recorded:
8.06
